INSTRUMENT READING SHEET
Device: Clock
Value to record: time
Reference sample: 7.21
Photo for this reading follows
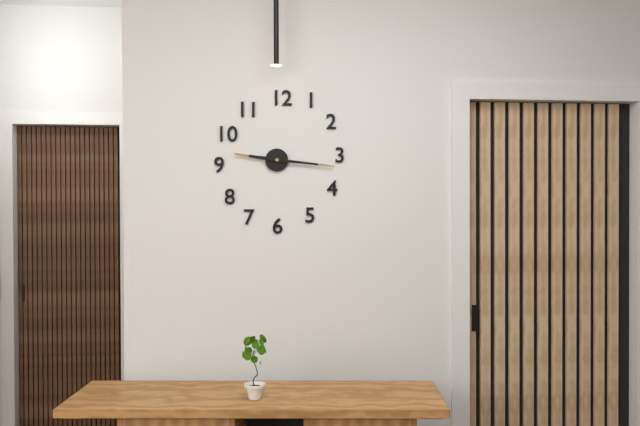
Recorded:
9.16
